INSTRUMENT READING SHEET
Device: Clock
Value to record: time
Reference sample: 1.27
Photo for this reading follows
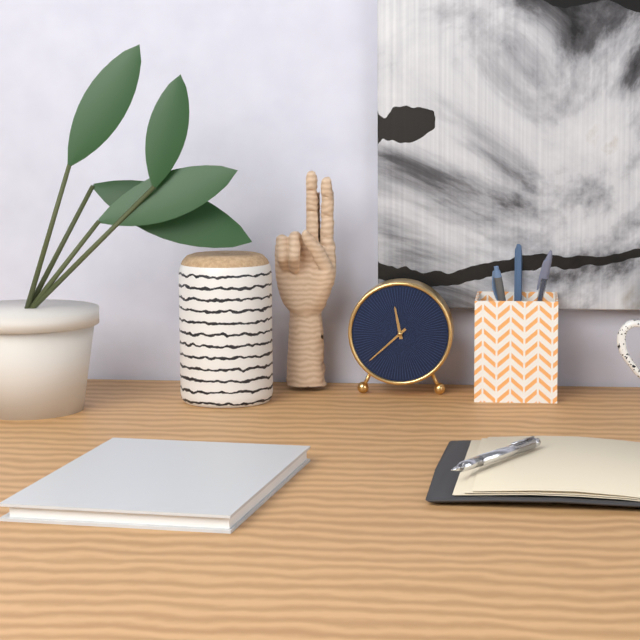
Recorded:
11.38
